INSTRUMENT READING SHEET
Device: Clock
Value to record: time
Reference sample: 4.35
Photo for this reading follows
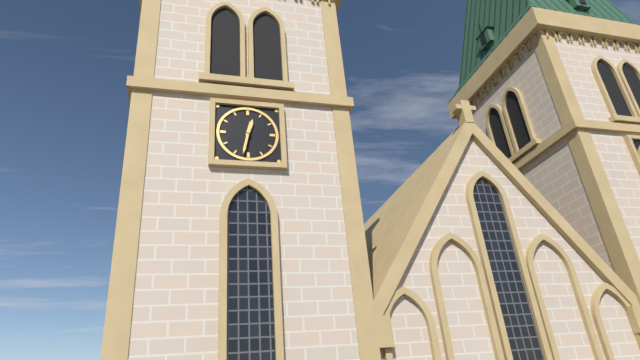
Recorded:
12.32
